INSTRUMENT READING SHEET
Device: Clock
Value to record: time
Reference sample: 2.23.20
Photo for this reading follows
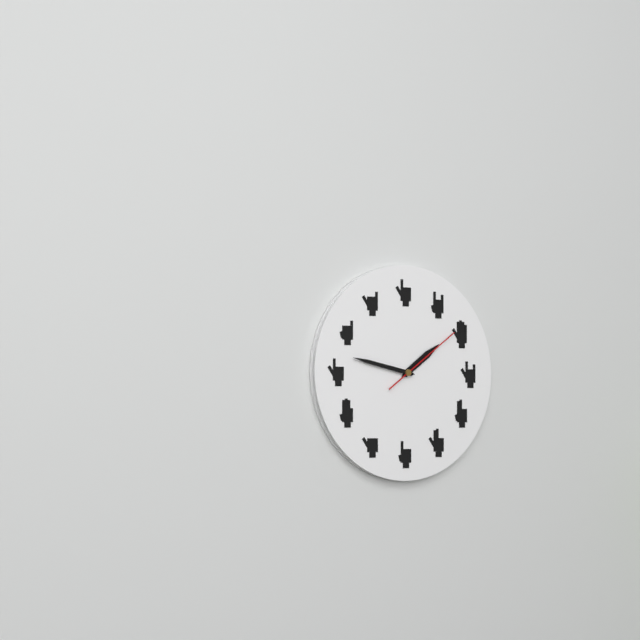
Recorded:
1.47.09
